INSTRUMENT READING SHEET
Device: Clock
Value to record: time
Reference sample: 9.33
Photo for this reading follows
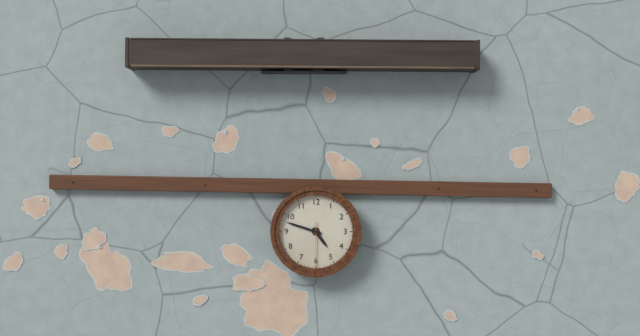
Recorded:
4.48
